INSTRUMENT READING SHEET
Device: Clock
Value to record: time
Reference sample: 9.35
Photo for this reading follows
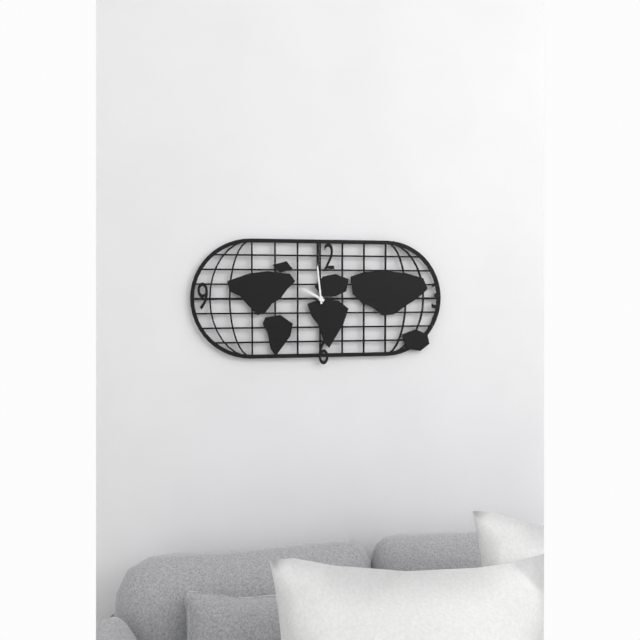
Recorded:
9.59
